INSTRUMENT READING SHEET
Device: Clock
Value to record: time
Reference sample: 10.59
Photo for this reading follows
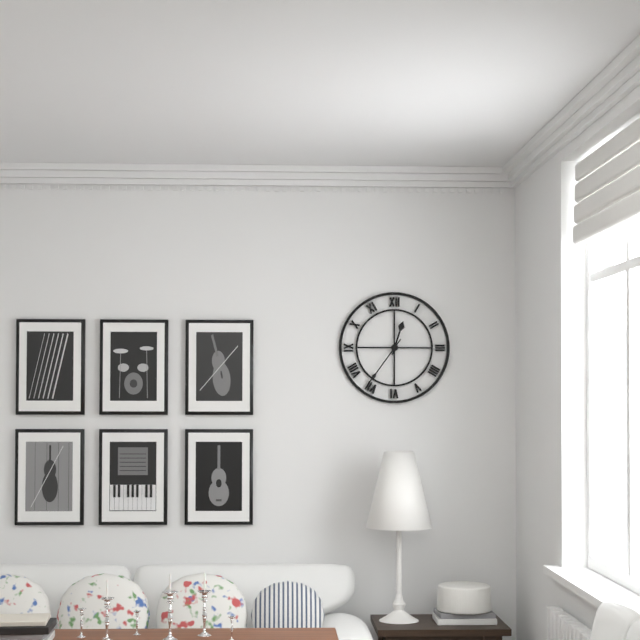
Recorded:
12.36
